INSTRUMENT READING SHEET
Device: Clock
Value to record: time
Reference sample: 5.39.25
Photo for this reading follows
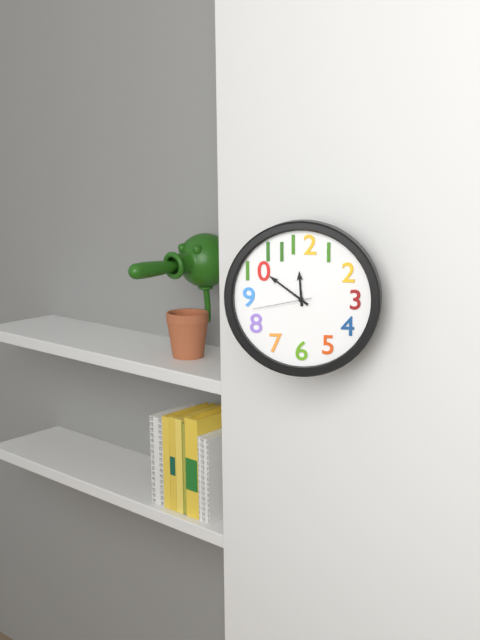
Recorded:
11.51.43
